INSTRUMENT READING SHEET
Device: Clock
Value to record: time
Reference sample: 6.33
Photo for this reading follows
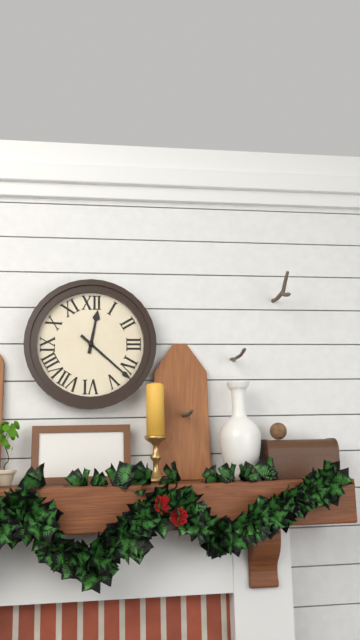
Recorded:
12.22
